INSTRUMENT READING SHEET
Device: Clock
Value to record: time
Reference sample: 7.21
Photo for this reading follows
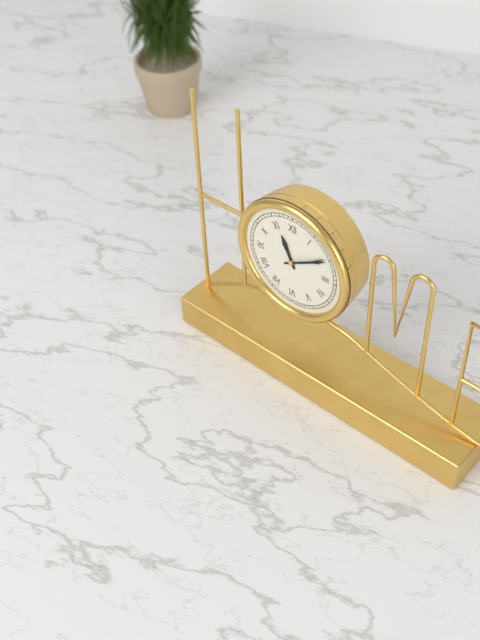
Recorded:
11.10
